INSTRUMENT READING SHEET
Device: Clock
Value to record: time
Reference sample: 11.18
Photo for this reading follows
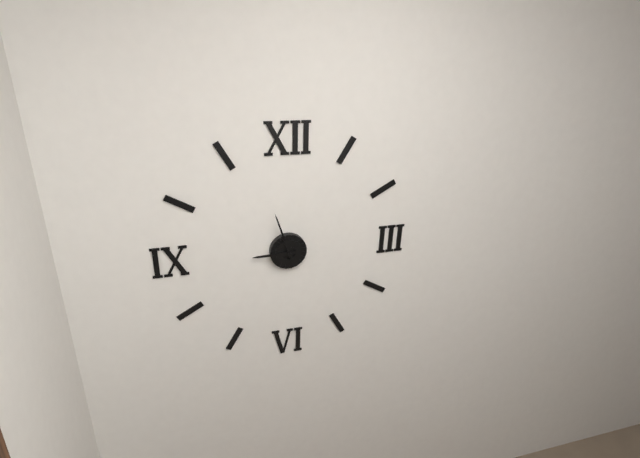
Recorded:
8.57
